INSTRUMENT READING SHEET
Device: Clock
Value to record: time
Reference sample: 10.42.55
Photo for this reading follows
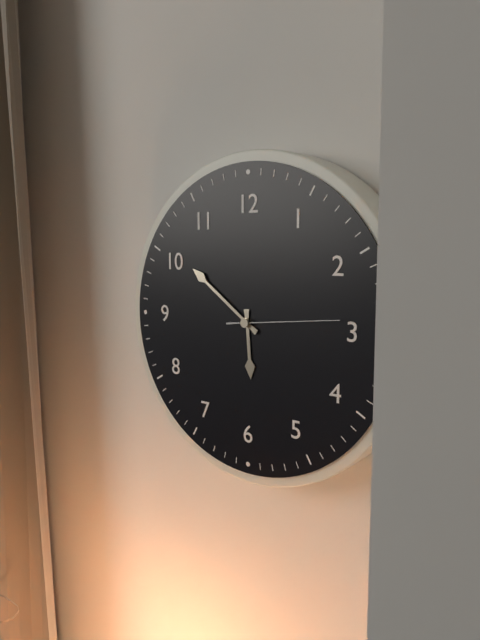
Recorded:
5.51.14
